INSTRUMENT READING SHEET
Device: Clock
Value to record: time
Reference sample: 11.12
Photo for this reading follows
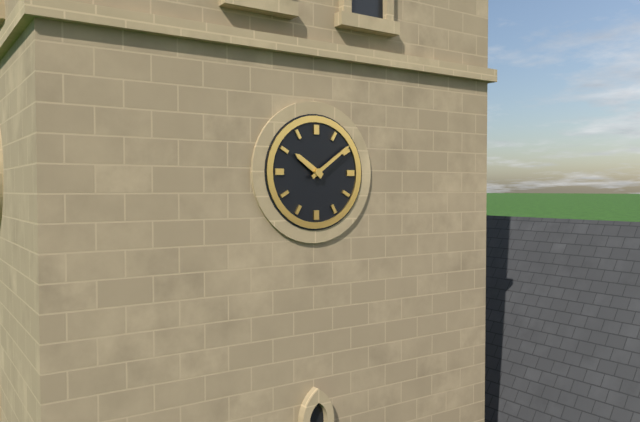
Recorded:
10.09
